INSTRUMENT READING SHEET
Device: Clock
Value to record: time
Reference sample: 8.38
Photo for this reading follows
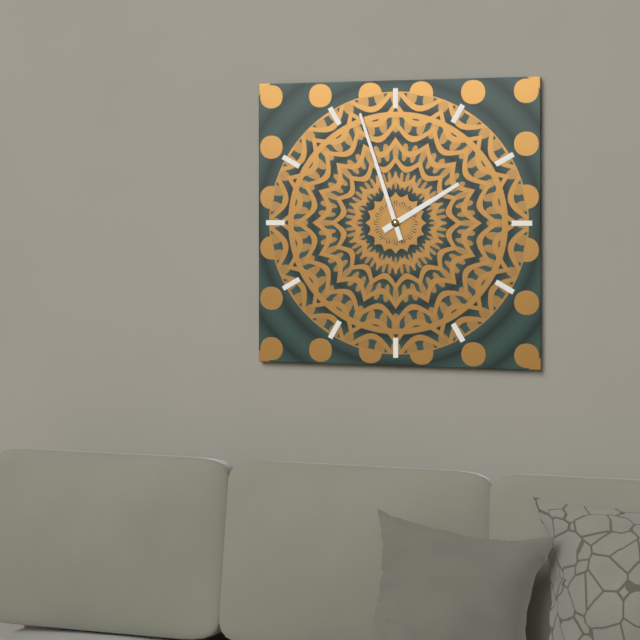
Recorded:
1.57
